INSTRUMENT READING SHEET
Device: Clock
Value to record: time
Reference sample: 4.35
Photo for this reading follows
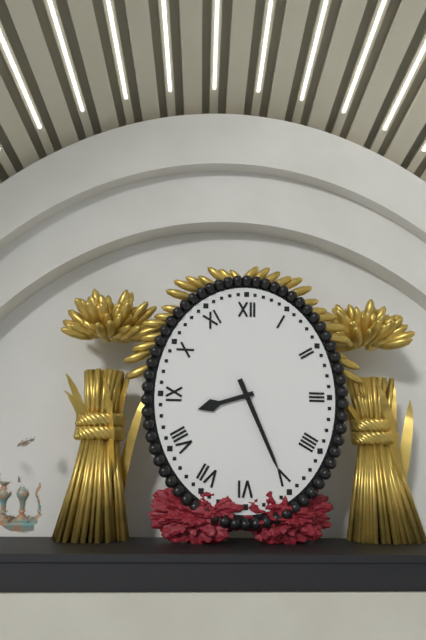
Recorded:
8.26
